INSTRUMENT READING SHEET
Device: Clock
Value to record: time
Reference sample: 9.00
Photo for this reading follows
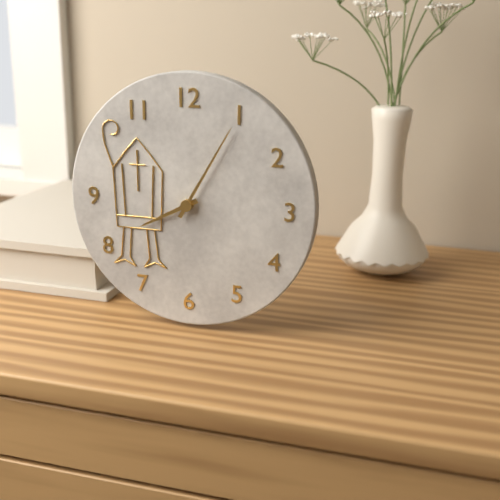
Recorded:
8.05
